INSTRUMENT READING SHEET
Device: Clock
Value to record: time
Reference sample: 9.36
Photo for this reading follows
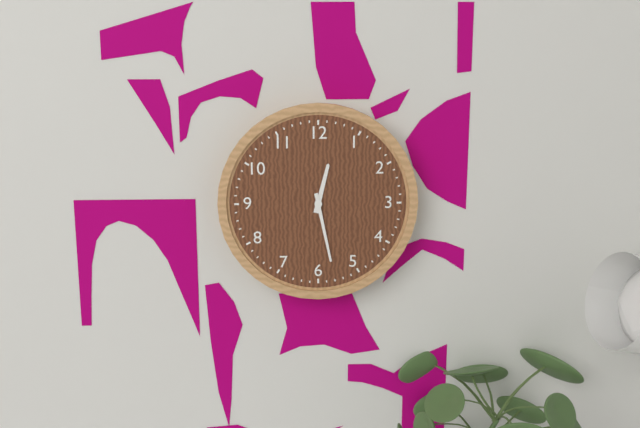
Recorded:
12.28
